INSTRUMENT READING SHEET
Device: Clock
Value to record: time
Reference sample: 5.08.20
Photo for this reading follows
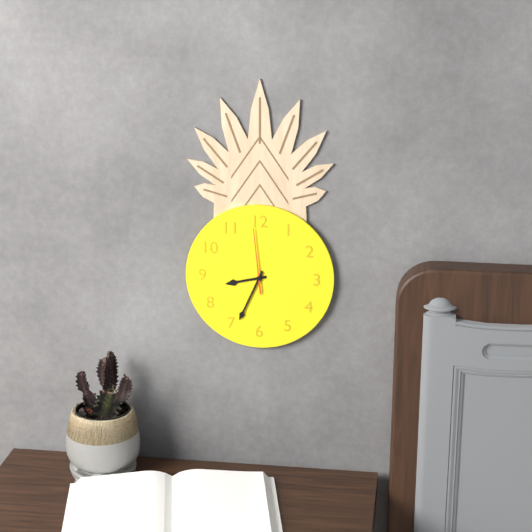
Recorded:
8.34.59
